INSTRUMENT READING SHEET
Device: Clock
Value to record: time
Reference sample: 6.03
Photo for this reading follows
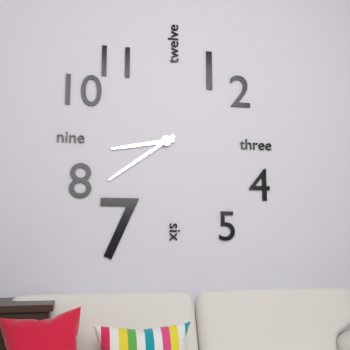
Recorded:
8.39
